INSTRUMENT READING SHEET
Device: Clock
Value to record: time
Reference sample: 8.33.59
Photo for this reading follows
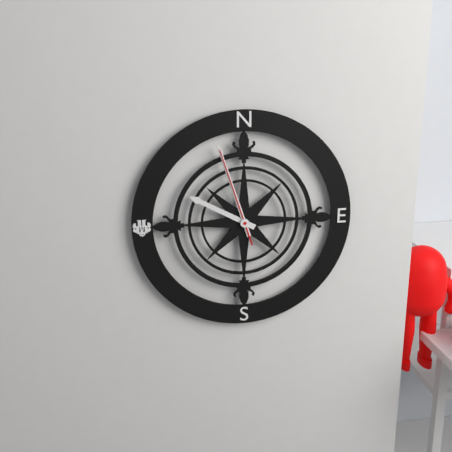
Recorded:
9.57.57
